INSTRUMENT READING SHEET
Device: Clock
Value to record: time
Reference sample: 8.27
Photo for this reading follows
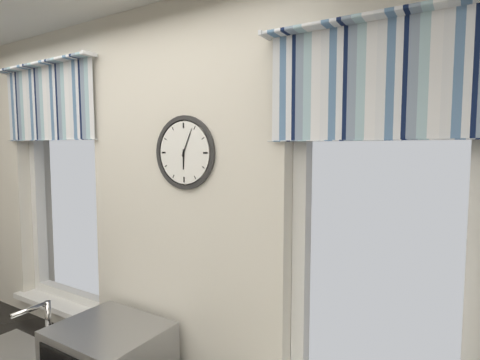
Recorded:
6.04
